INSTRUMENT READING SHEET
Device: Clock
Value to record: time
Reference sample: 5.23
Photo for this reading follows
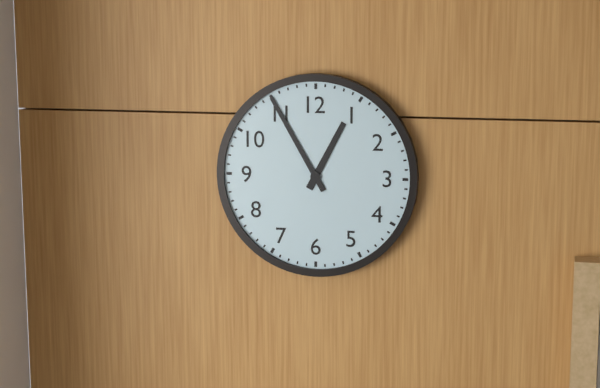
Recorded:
12.55
